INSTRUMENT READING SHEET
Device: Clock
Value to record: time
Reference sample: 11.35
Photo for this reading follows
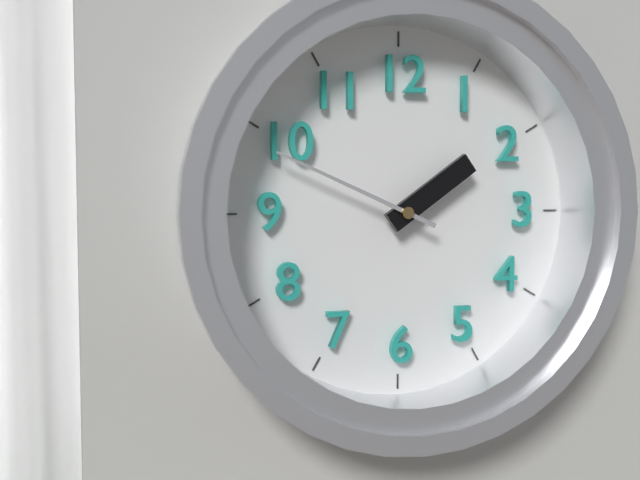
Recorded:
1.49
